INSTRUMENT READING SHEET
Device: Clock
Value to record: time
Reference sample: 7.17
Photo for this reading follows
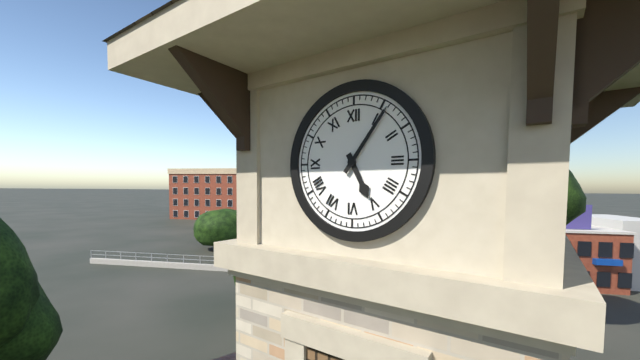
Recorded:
5.06
